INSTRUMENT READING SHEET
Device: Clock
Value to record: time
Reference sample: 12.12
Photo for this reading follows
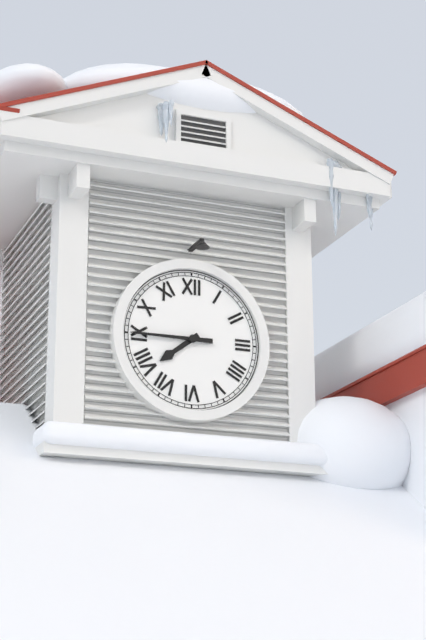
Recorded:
7.45
